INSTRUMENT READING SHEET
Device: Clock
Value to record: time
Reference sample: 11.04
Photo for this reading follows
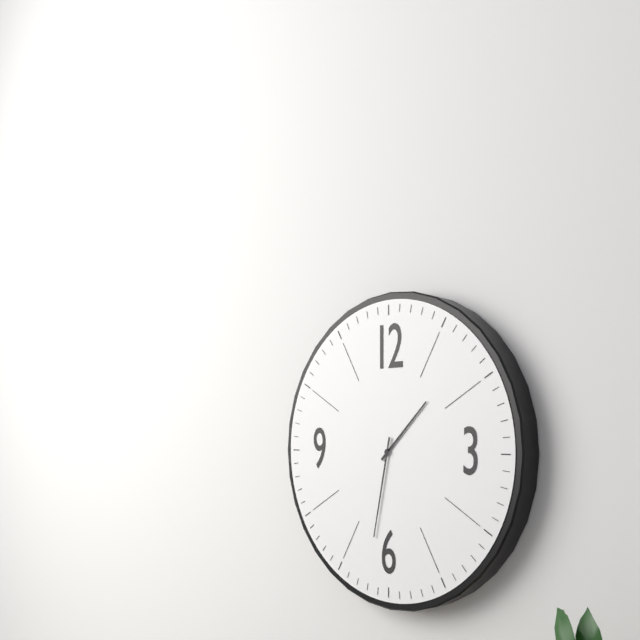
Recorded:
1.32
